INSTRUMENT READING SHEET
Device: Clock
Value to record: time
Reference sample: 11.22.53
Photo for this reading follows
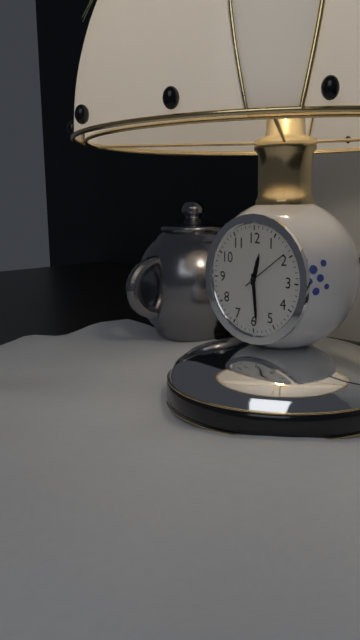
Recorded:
12.29.09
